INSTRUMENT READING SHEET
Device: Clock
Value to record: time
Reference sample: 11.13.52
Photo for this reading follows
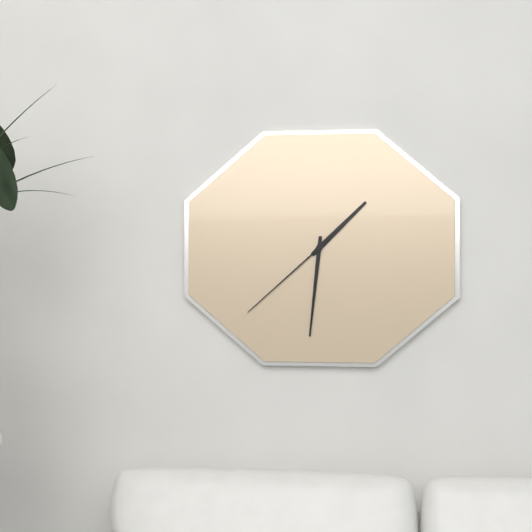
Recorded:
1.31.38
